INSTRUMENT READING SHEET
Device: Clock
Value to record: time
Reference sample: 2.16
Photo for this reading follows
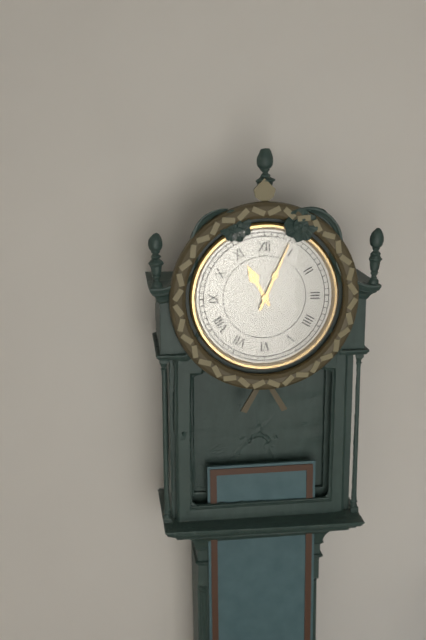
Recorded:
11.04
